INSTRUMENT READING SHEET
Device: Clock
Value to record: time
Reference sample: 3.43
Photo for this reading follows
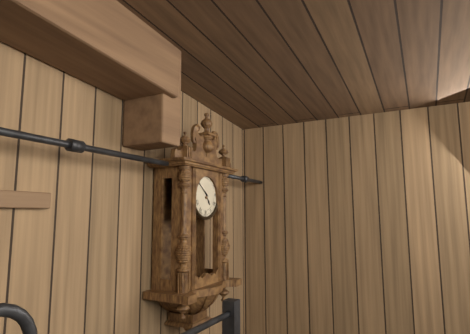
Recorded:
4.51
